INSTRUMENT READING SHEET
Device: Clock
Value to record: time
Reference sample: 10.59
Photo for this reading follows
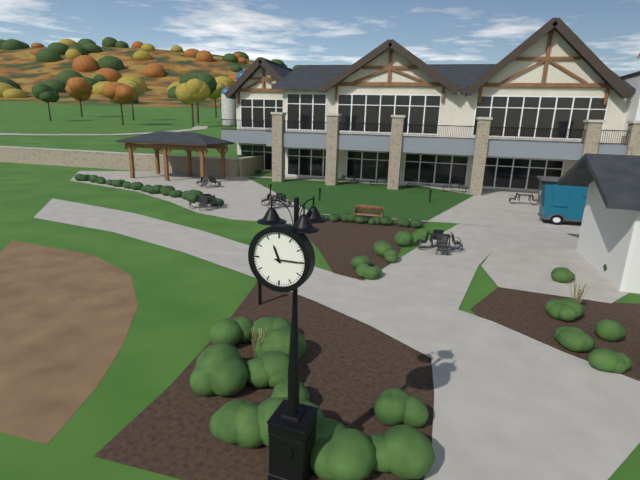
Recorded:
11.15
